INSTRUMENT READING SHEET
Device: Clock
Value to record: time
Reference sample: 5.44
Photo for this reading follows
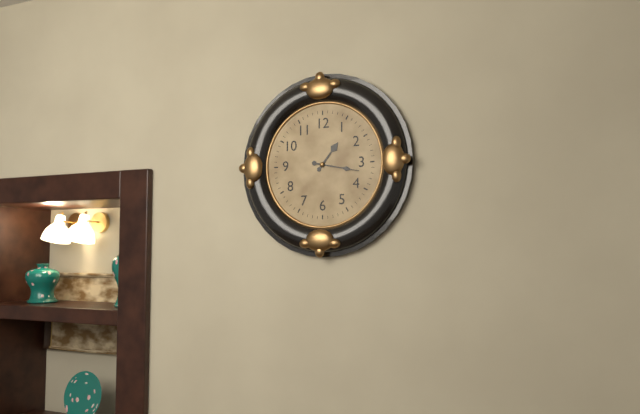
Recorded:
1.17
